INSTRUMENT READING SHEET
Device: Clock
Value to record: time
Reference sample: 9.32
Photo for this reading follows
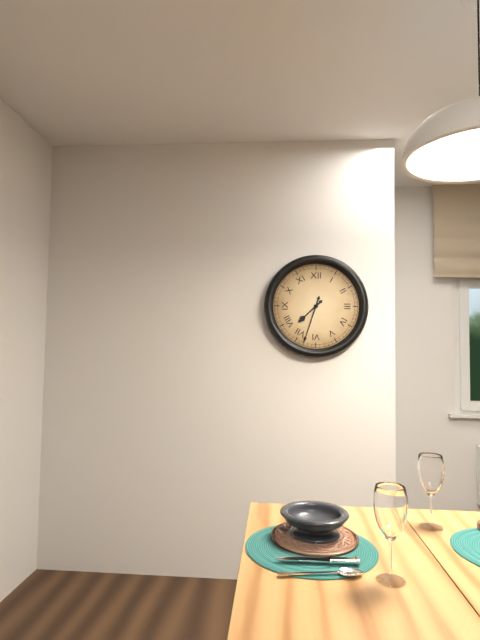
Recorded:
7.33
